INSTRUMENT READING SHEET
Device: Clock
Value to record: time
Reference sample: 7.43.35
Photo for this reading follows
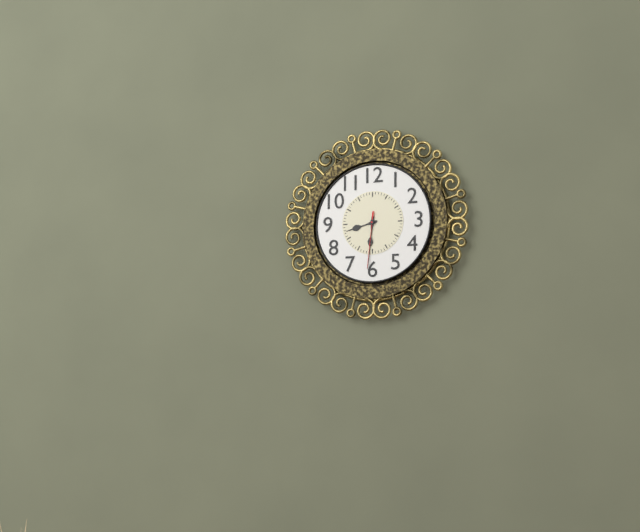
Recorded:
8.31.31
